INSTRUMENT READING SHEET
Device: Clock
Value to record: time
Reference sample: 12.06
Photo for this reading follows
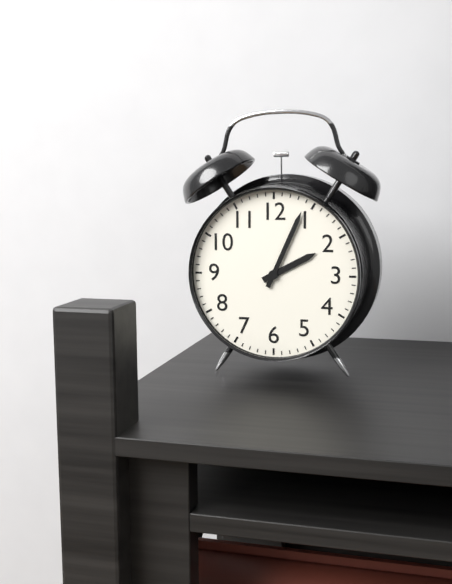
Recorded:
2.04
